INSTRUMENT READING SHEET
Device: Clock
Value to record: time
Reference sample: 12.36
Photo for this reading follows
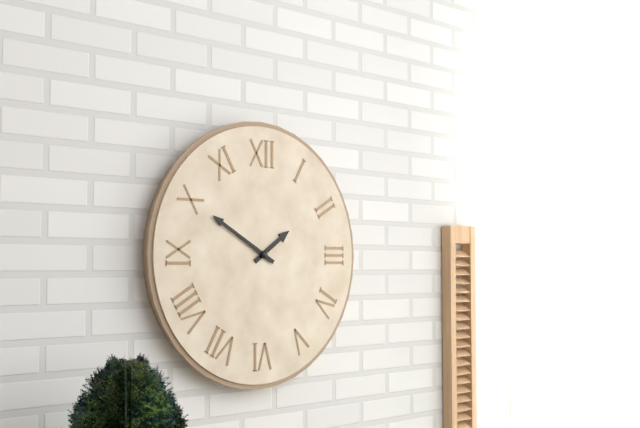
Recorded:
1.50
